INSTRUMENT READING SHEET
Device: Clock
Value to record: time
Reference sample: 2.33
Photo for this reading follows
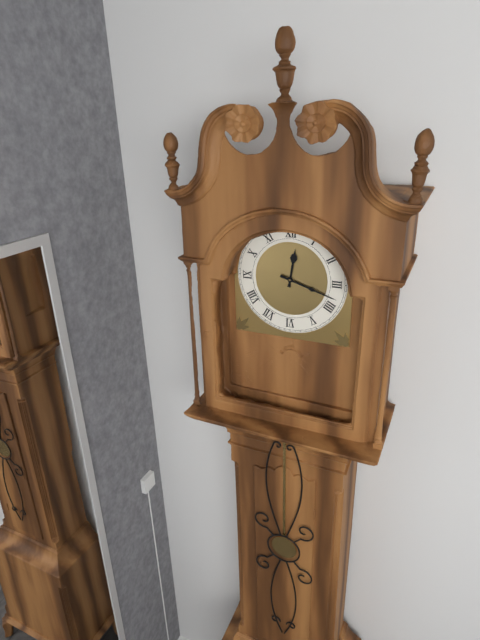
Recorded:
12.18
